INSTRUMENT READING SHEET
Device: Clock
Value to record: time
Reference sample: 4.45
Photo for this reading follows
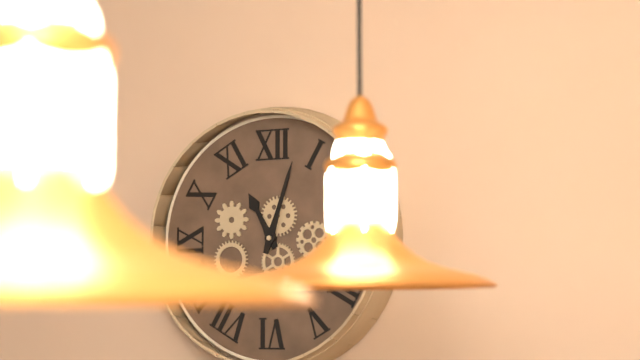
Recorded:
11.03
